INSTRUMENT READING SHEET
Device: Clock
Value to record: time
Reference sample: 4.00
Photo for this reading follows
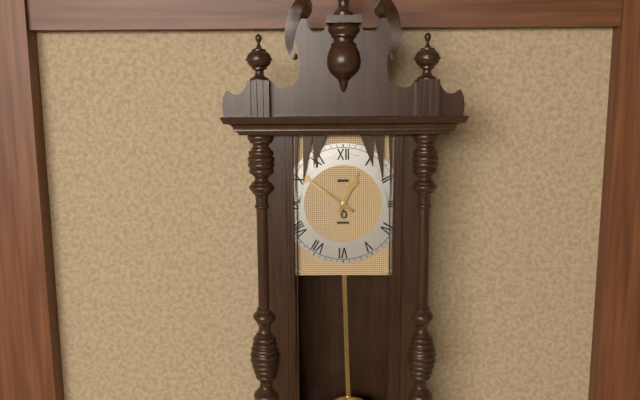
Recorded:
12.51
